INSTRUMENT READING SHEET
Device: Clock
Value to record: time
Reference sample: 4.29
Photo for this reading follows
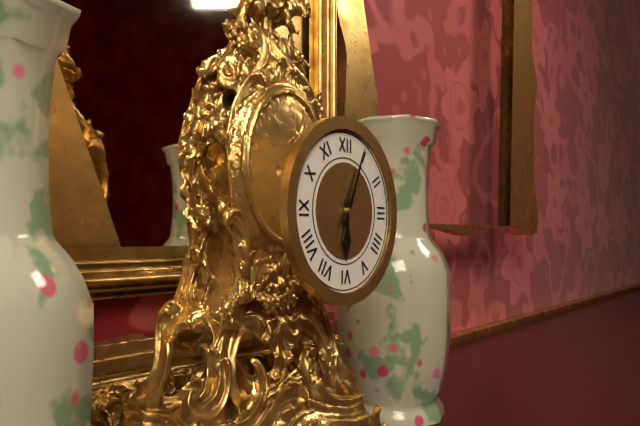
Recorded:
6.04
